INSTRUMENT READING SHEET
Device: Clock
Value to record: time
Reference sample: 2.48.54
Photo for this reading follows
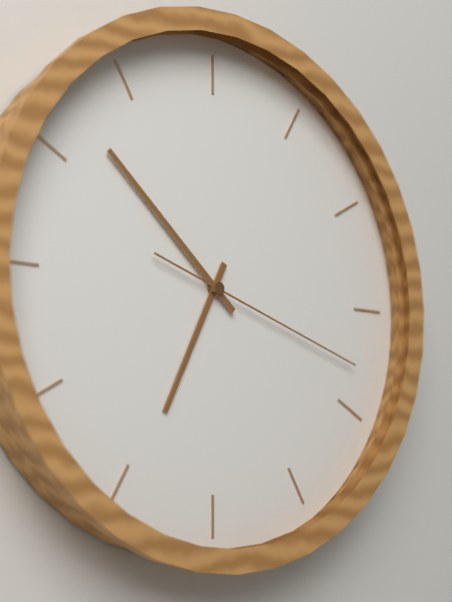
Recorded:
6.52.18
